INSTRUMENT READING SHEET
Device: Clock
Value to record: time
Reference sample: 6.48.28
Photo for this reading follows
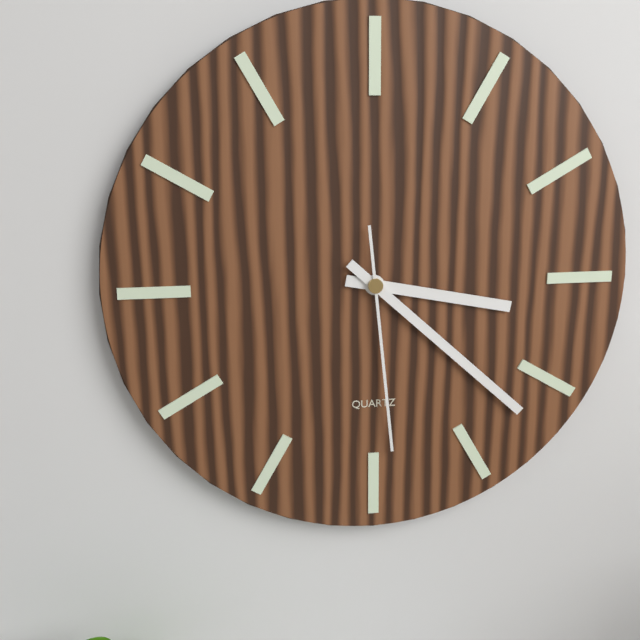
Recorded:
3.22.29
